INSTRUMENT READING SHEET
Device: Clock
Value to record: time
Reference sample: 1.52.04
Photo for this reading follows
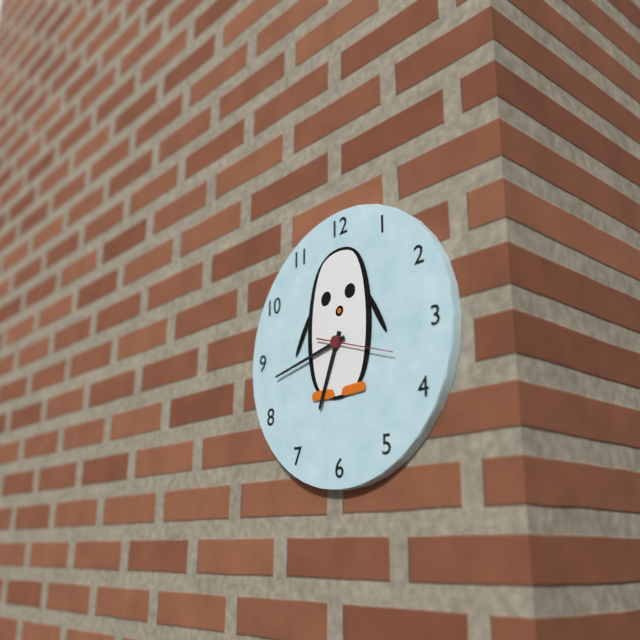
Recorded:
6.43.18
